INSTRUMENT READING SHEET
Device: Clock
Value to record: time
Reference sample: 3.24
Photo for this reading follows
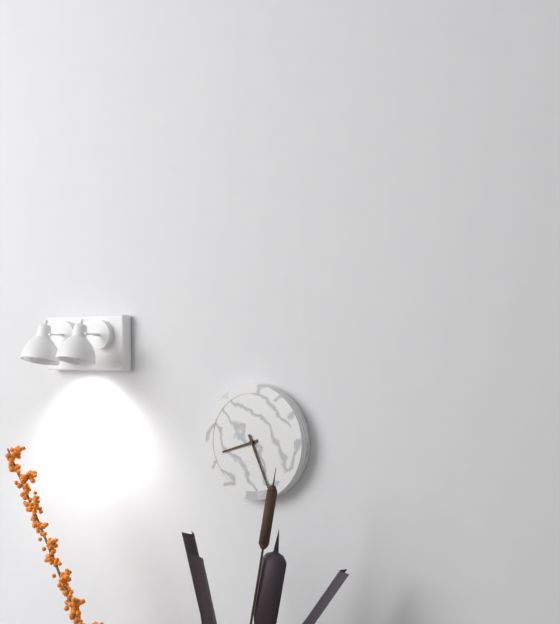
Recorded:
8.26
